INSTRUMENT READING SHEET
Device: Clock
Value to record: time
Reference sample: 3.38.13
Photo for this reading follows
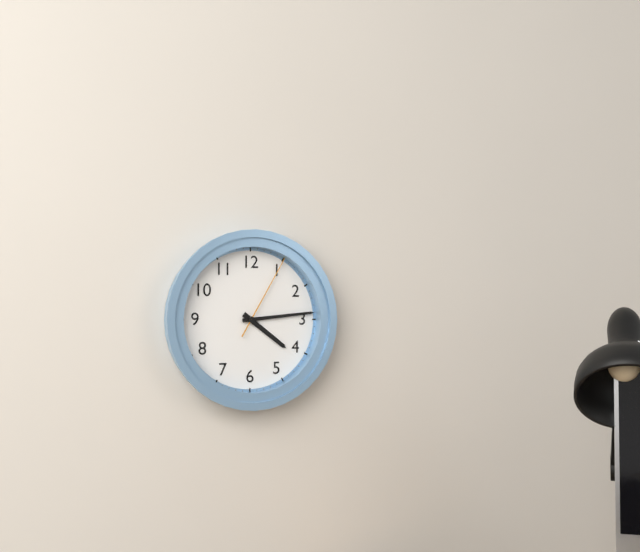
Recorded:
4.14.05
